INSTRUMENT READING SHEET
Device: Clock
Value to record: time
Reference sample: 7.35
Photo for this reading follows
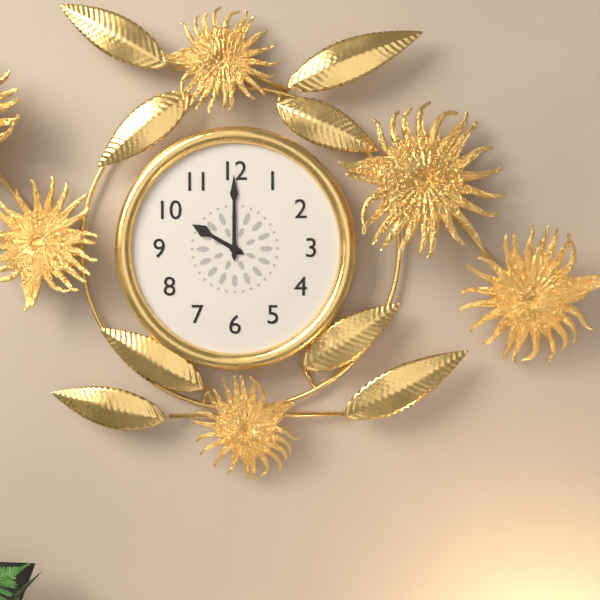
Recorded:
10.00
